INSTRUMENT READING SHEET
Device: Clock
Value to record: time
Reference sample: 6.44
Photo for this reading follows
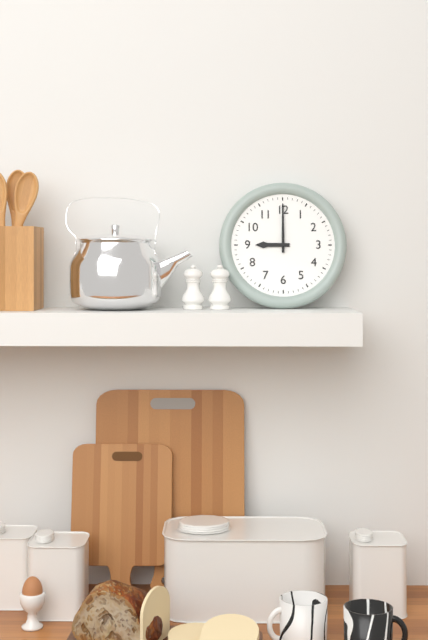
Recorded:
9.00
